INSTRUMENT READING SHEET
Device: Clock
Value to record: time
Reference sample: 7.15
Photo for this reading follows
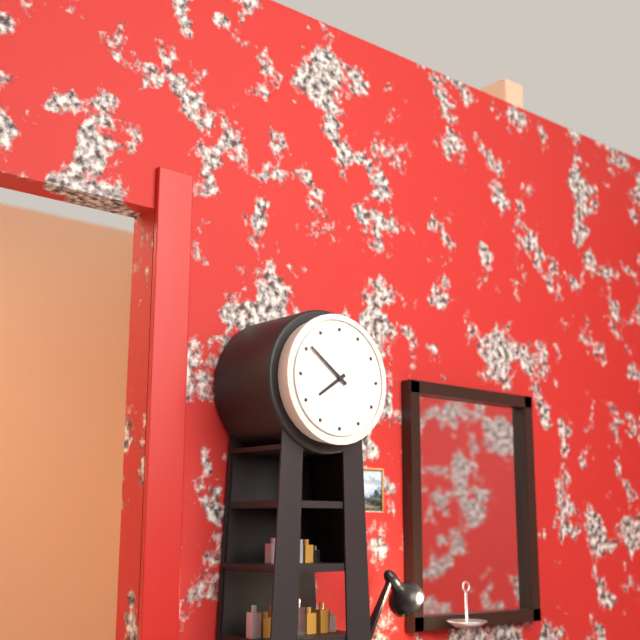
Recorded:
7.51
